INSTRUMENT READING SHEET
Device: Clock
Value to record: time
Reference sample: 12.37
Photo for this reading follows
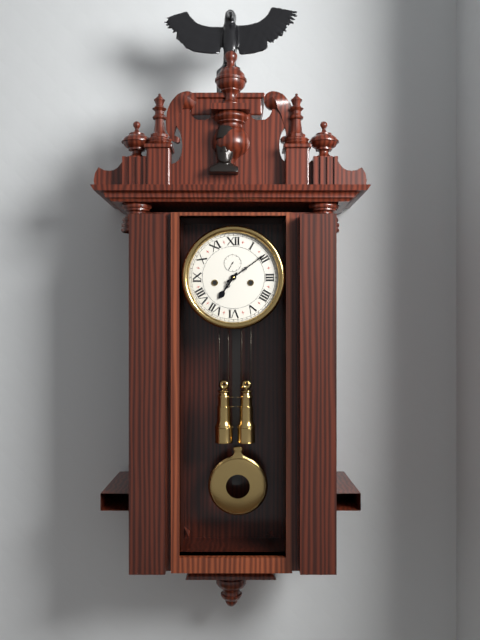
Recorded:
7.09
